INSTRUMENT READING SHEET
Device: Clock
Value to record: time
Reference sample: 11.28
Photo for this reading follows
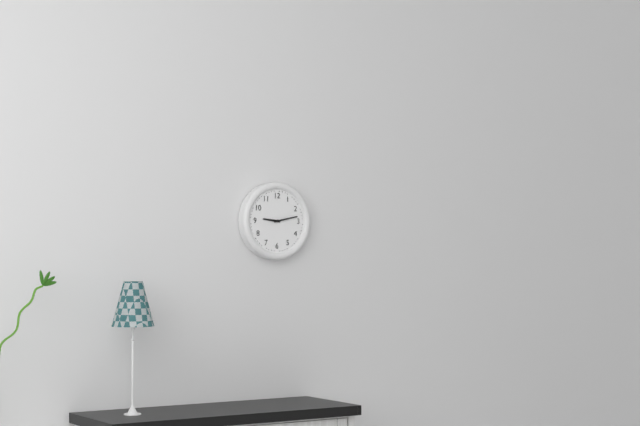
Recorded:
9.13
